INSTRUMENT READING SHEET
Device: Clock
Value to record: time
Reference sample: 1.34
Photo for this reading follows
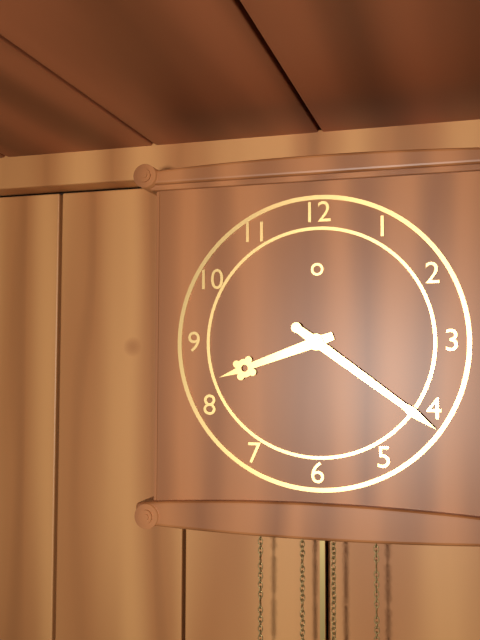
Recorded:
8.21
